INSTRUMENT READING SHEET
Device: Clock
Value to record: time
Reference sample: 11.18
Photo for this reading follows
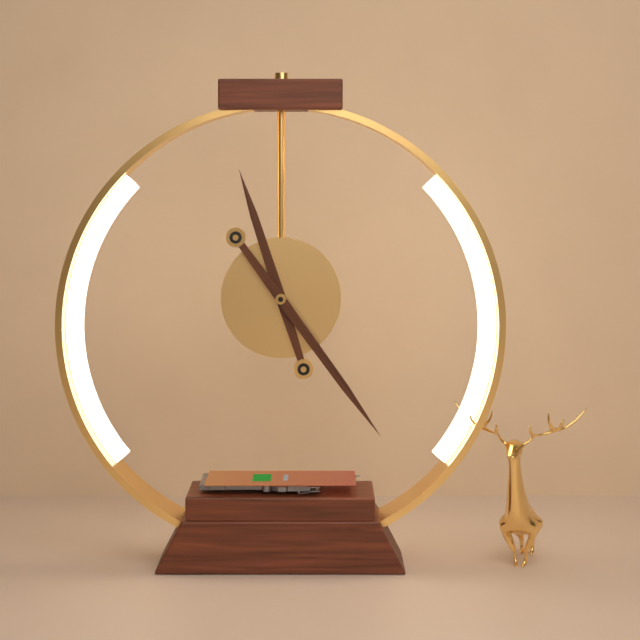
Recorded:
11.24
